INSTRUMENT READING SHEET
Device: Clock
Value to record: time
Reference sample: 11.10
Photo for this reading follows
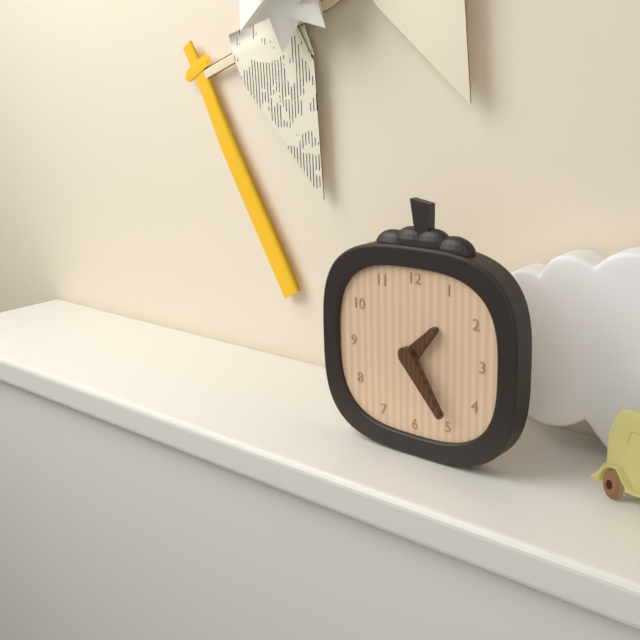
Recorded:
1.24
